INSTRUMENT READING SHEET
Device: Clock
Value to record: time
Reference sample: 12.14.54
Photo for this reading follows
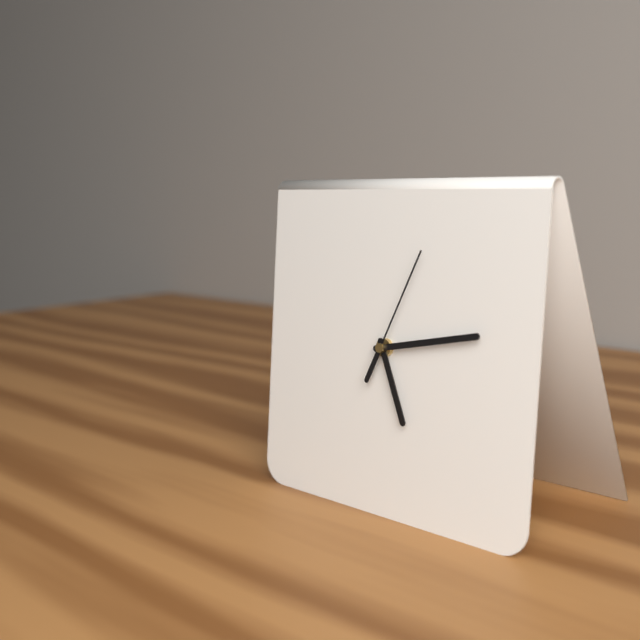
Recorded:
5.13.04
